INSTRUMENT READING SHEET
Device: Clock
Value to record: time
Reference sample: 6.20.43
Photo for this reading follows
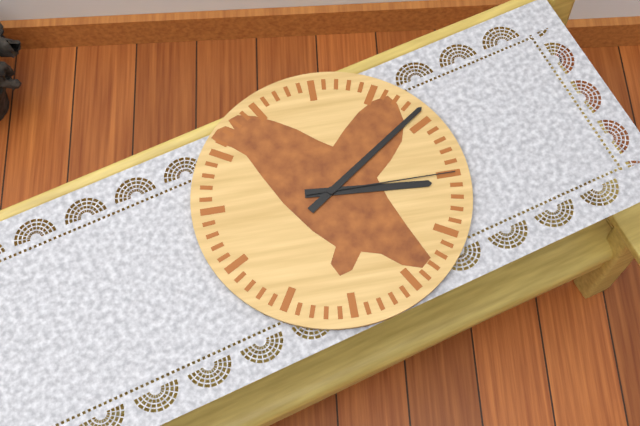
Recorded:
3.09.15
